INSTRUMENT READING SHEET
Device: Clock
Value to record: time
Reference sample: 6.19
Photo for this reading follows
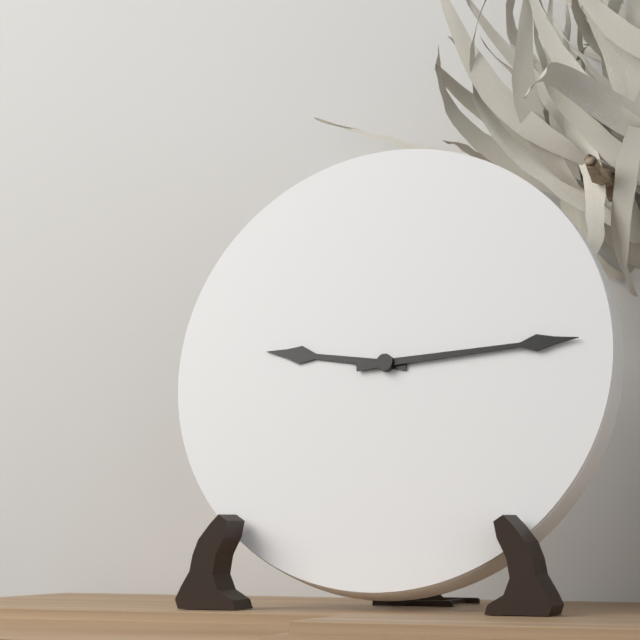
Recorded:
9.14
